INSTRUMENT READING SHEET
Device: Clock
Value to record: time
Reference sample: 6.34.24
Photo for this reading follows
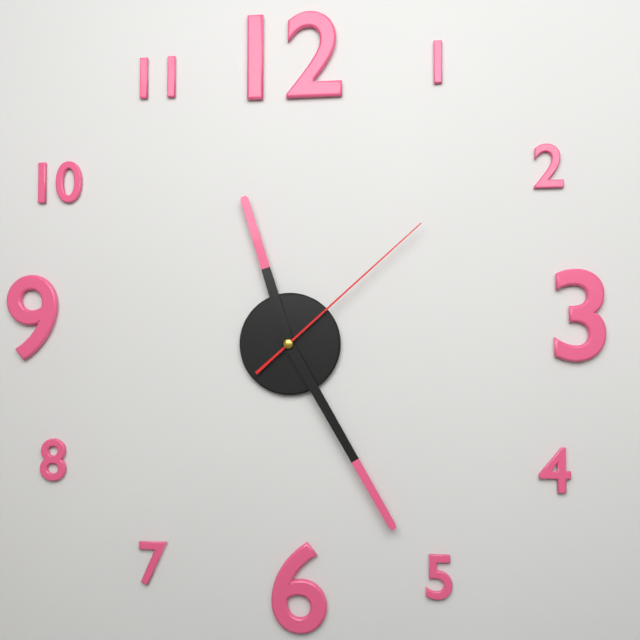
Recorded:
11.25.08
